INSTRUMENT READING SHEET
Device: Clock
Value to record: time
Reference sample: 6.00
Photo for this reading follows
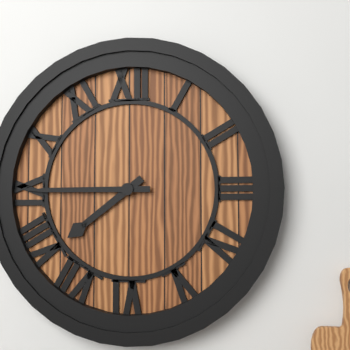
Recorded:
7.45
